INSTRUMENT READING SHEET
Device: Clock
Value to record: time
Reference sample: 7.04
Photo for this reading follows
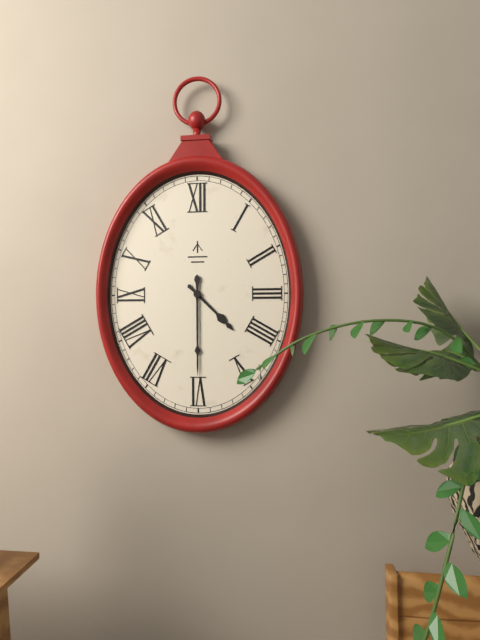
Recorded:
4.30
